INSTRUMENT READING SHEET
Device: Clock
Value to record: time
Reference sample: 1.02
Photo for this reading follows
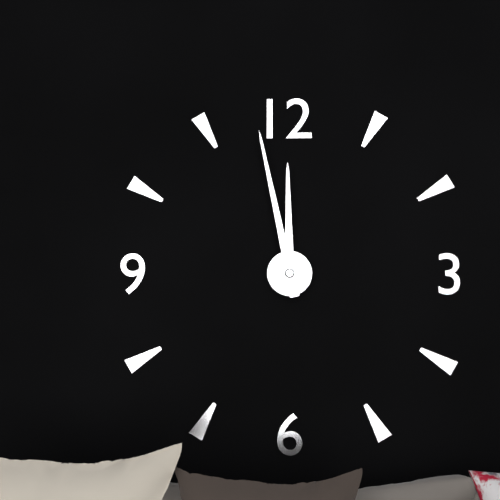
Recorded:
11.58
